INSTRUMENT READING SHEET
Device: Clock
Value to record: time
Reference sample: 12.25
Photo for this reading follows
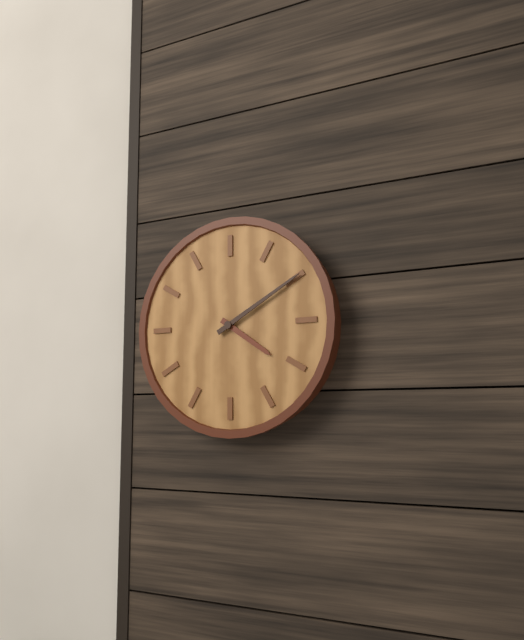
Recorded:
4.10
